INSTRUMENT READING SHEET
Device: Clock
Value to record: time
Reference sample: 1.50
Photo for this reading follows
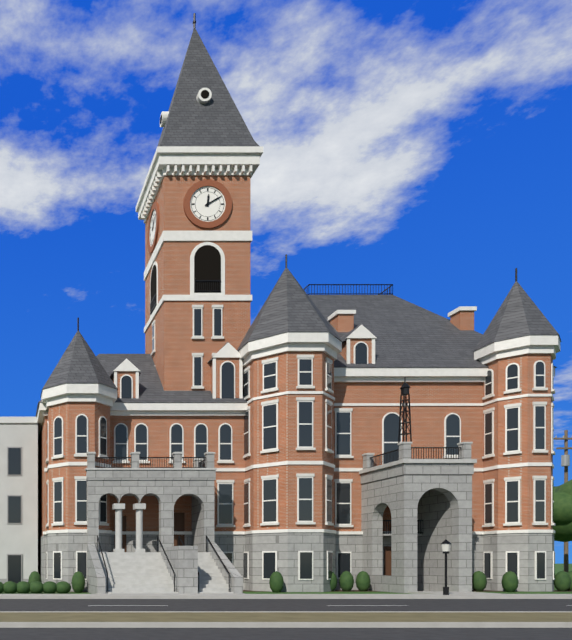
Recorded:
12.10
